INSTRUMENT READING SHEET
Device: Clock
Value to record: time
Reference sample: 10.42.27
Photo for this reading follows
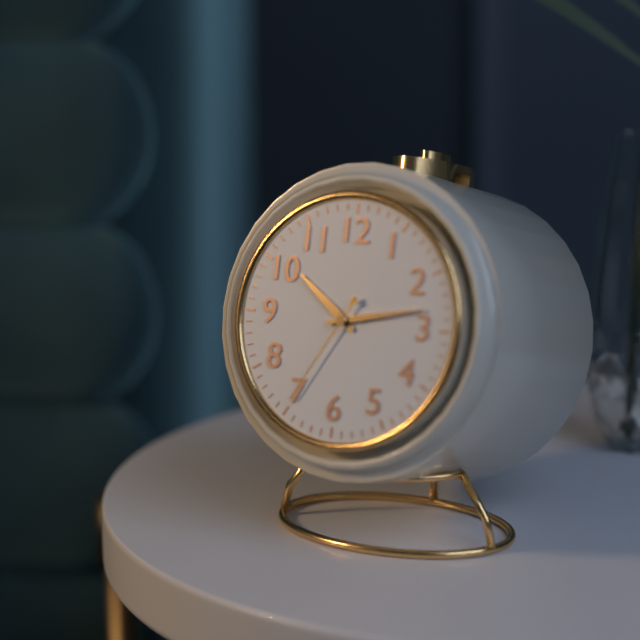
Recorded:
10.13.35
